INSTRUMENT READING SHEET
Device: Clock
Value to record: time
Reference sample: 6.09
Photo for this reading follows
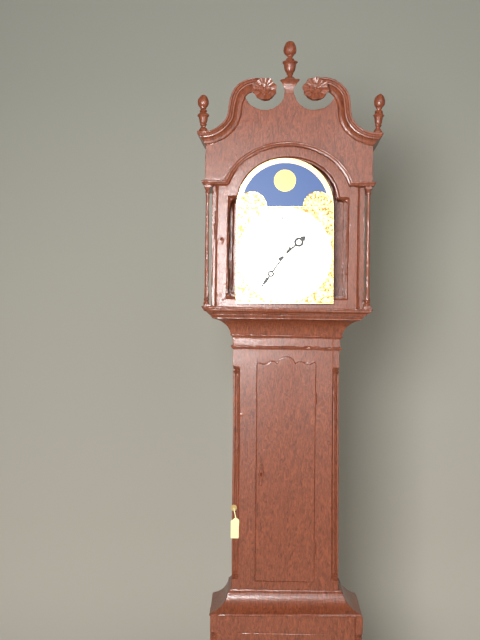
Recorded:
1.36
